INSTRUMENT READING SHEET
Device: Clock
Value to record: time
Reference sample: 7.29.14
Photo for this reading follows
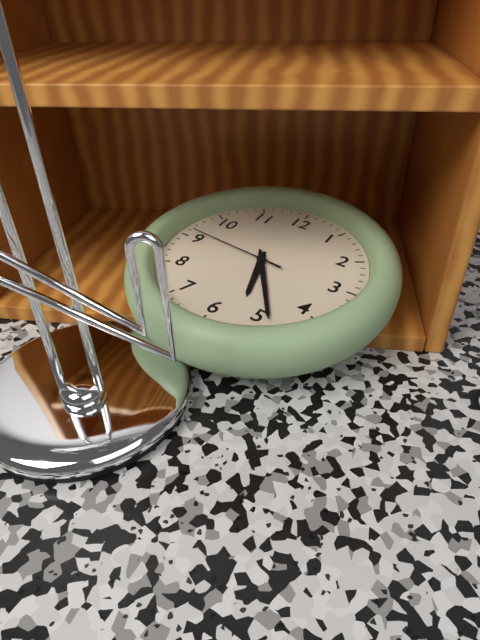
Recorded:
5.24.46
